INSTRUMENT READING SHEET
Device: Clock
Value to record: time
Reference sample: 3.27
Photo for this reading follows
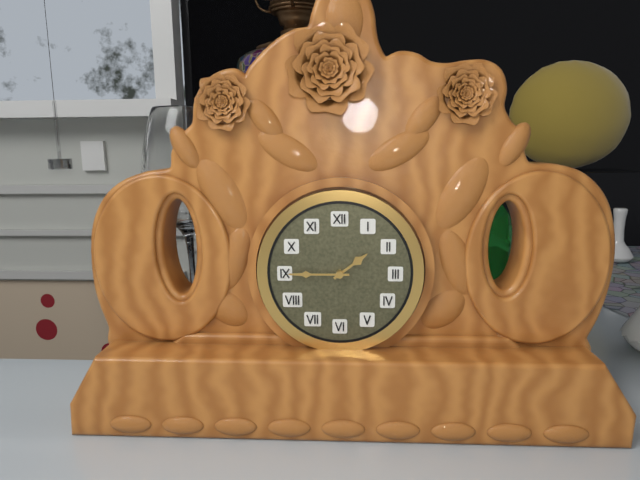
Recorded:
1.45
